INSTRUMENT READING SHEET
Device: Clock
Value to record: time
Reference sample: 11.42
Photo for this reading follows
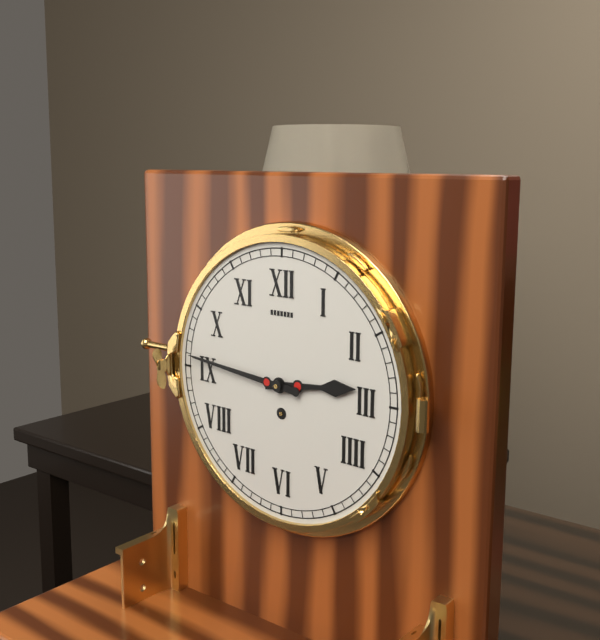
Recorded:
2.46
